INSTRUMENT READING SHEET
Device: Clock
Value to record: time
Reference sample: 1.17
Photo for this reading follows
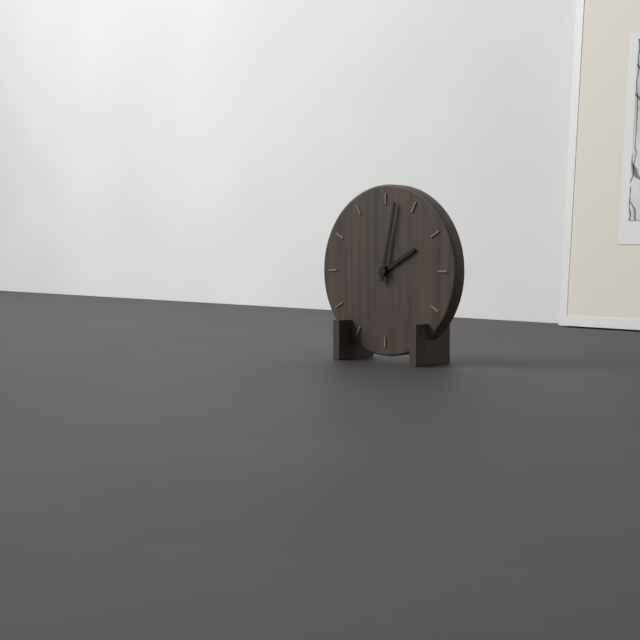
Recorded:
2.02
